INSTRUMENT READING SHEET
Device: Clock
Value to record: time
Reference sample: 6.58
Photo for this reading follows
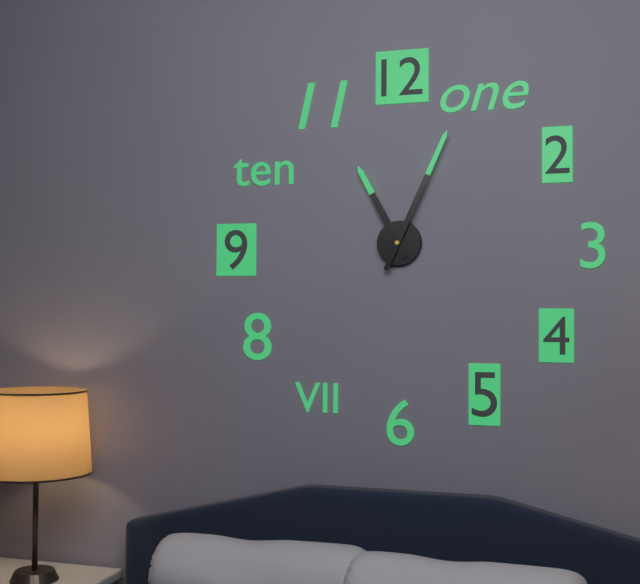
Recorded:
11.04
